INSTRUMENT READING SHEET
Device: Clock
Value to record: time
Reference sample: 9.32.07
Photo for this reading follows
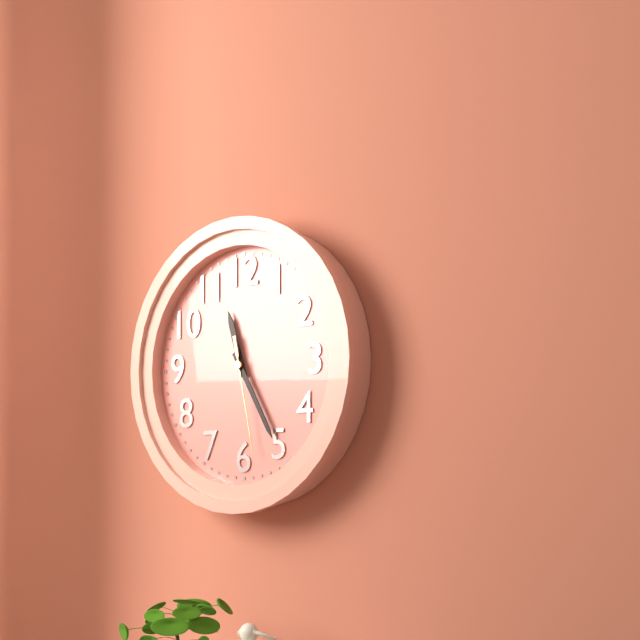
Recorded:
11.25.28
